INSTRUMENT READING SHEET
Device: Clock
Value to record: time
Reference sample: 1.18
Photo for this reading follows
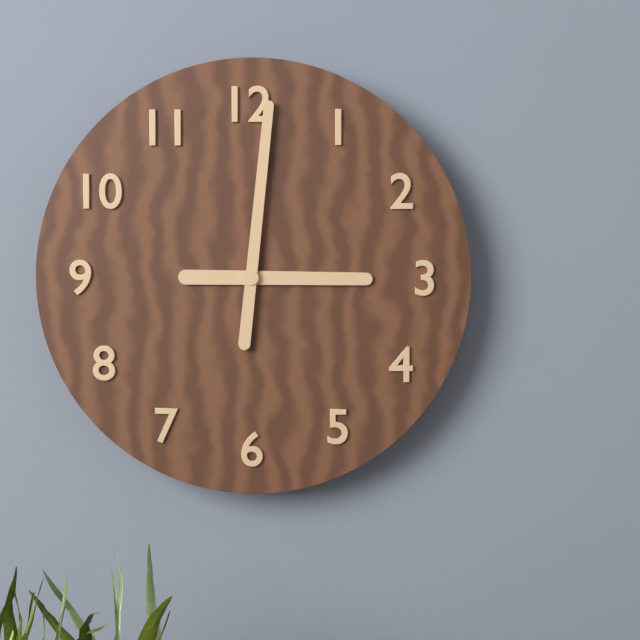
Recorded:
3.01
